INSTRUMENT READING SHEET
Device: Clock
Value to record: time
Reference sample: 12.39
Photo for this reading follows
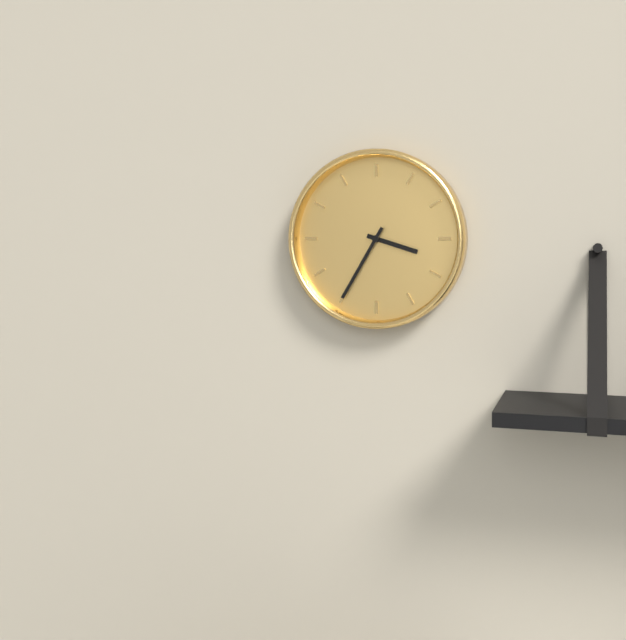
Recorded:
3.35
